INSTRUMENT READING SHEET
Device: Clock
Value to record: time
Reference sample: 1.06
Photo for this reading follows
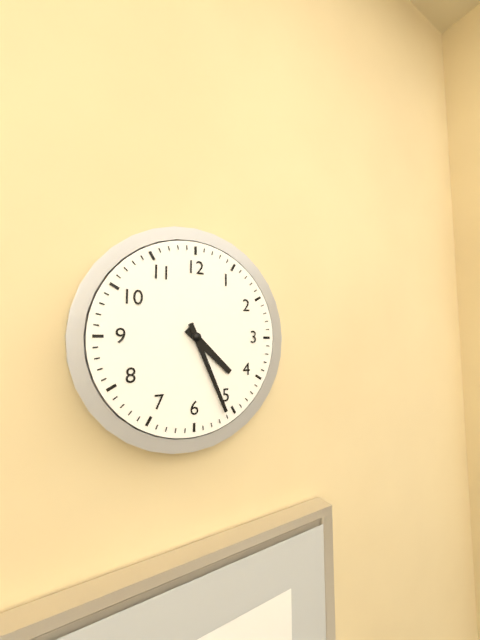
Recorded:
4.26
